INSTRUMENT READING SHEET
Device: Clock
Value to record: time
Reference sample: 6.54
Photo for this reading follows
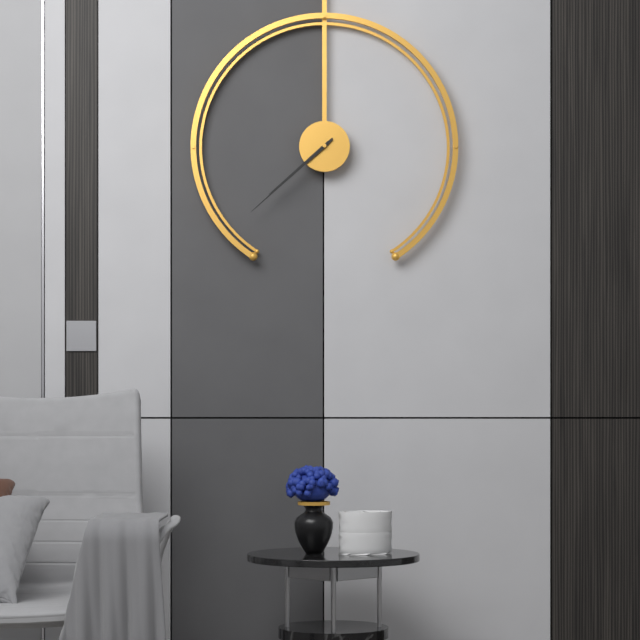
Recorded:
7.38
